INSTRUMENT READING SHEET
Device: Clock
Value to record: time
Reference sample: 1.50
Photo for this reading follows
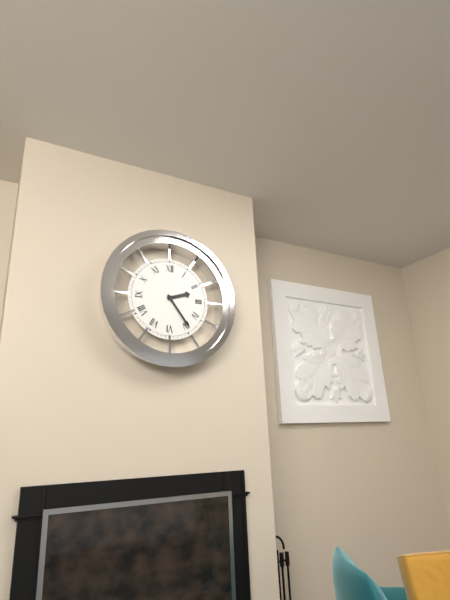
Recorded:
2.24
